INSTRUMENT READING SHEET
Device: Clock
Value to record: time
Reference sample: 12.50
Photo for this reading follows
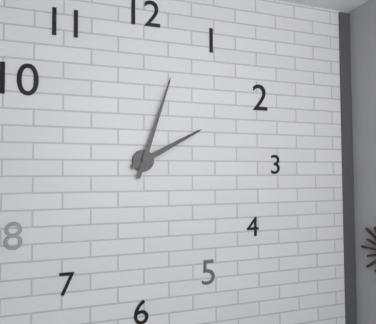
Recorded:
2.03
